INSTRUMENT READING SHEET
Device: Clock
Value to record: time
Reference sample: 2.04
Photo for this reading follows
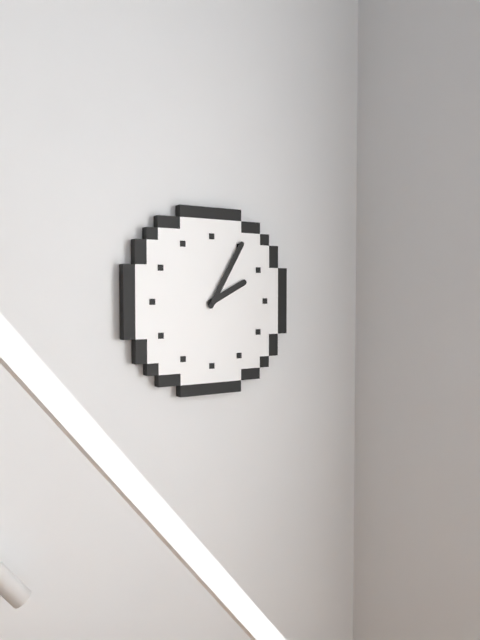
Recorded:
2.05
